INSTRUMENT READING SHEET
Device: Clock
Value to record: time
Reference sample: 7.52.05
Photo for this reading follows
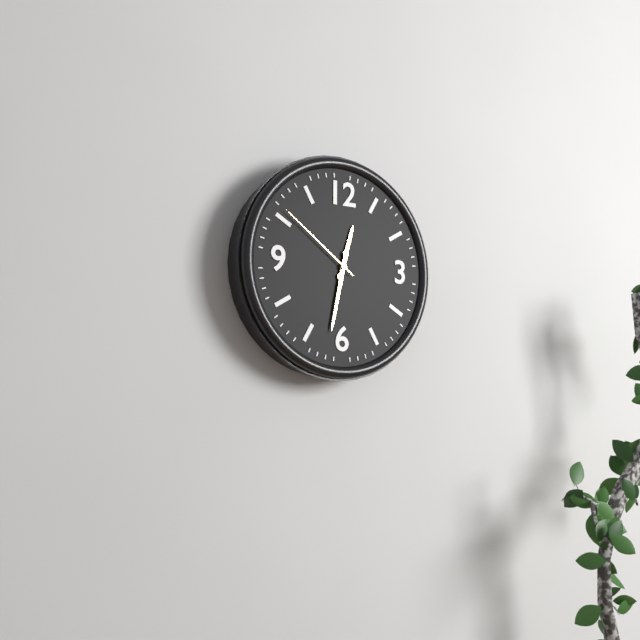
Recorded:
12.32.51
